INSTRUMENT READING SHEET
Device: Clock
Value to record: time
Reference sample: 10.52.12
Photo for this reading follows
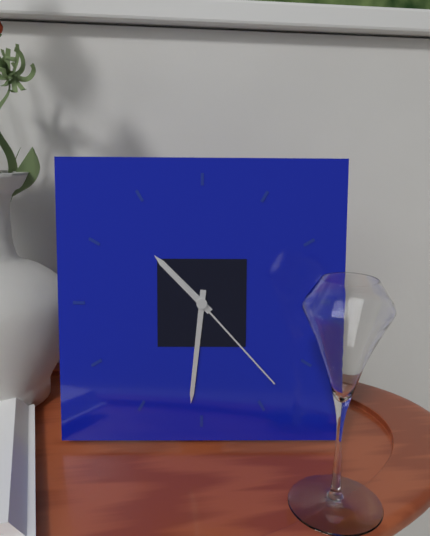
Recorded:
10.31.23
